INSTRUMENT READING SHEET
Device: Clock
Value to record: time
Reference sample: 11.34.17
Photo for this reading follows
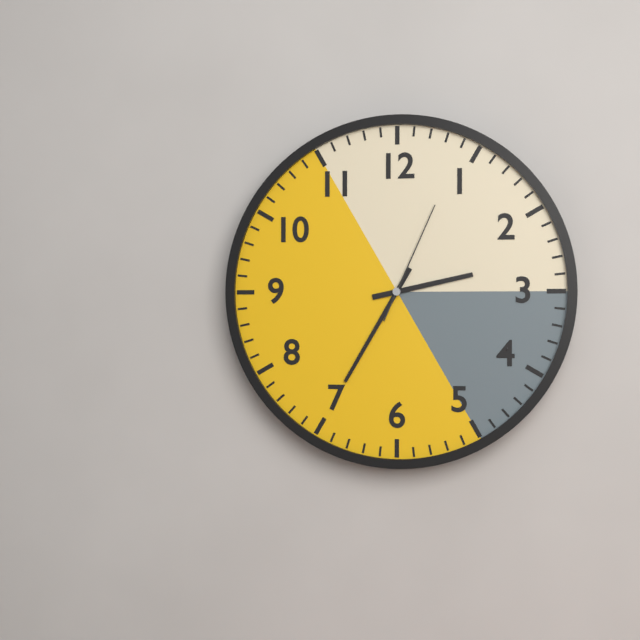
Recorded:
2.35.04
